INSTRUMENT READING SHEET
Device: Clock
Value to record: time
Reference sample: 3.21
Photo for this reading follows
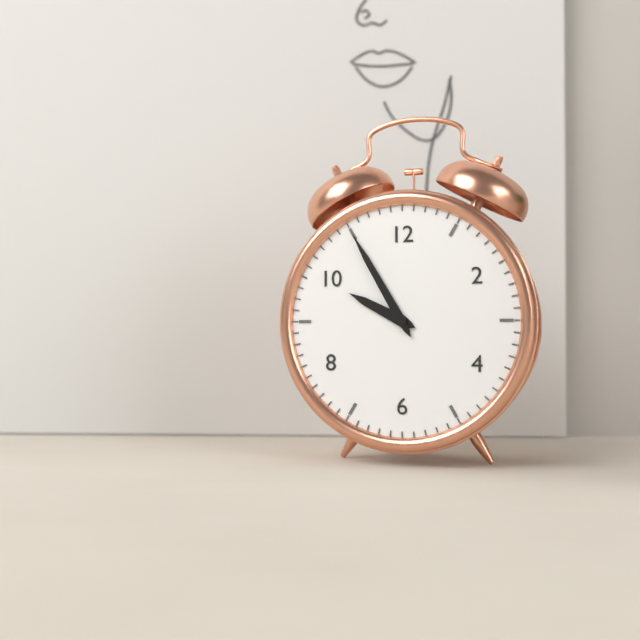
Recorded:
9.55
